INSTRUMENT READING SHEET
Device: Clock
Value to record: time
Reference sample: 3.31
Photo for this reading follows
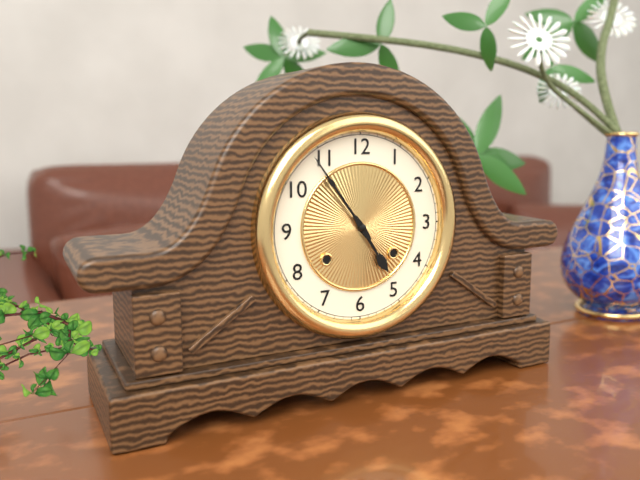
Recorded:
4.54
